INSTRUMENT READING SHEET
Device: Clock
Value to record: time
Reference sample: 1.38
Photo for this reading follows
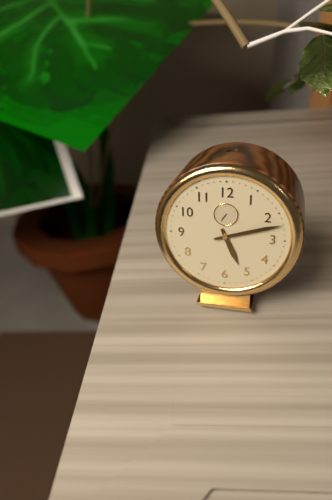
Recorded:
5.12
